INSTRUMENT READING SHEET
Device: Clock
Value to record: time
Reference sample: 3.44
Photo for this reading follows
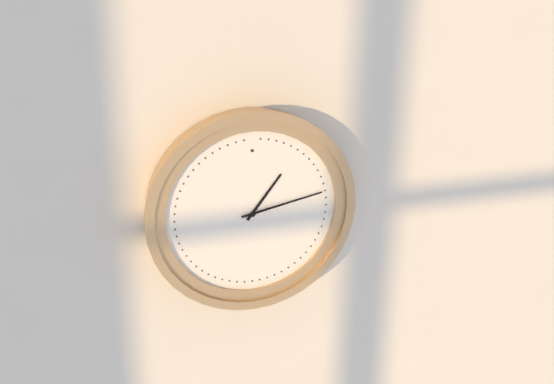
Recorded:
1.13
